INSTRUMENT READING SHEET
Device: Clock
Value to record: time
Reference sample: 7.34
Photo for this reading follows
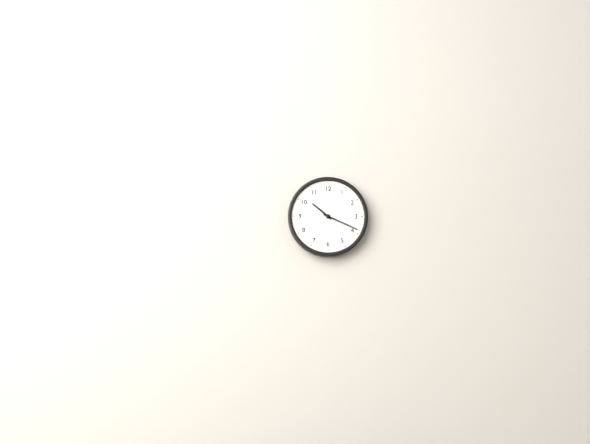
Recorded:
10.19
